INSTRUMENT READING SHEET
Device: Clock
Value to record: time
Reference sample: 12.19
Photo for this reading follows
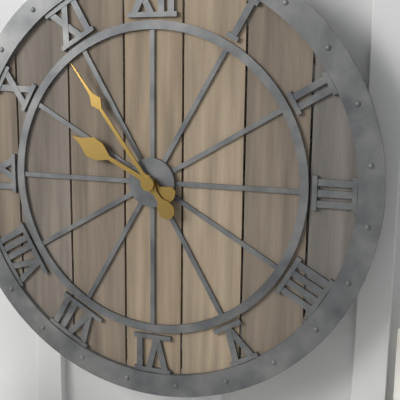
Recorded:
9.54
